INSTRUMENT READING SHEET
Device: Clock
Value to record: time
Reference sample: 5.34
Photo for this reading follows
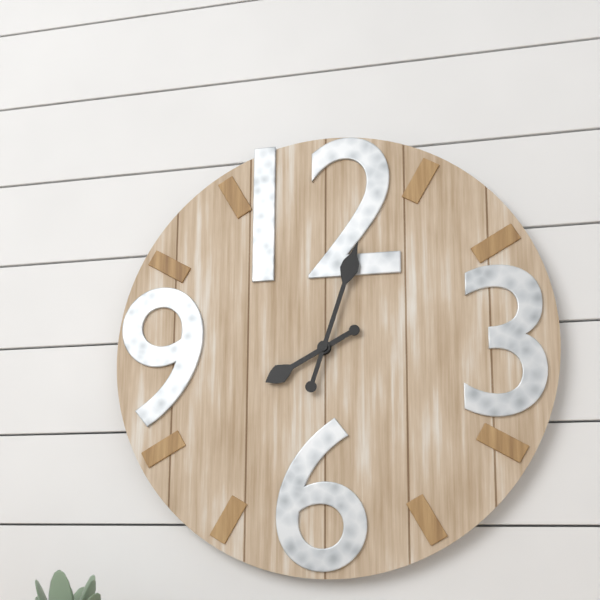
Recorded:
8.03
